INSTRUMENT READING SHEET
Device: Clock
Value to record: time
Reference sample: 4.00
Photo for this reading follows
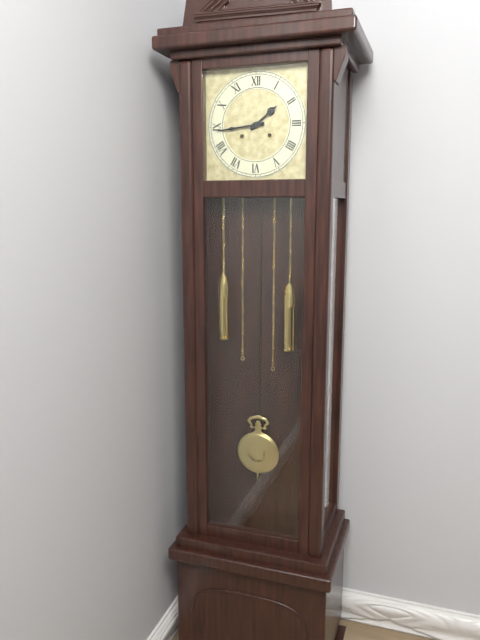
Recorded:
1.44
